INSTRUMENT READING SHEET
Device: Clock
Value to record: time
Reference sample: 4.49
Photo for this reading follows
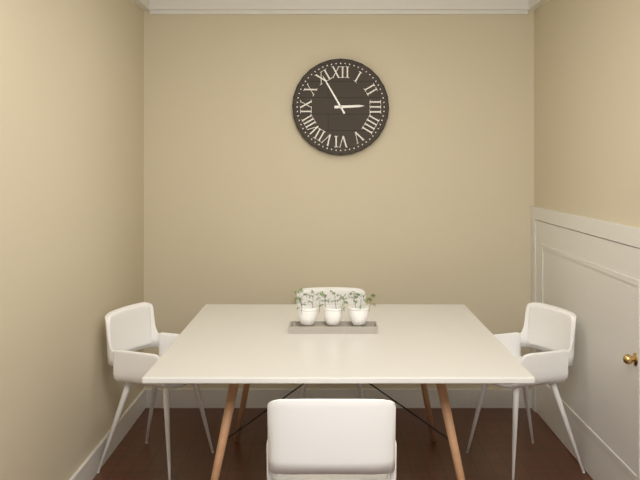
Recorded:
2.55
